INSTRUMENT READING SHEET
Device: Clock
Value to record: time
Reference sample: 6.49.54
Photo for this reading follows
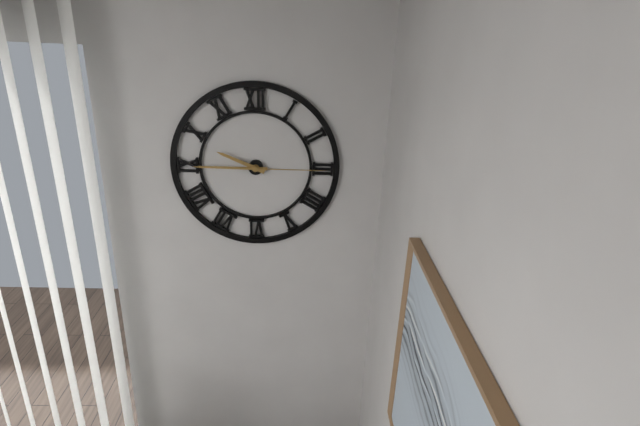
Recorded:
9.45.15
